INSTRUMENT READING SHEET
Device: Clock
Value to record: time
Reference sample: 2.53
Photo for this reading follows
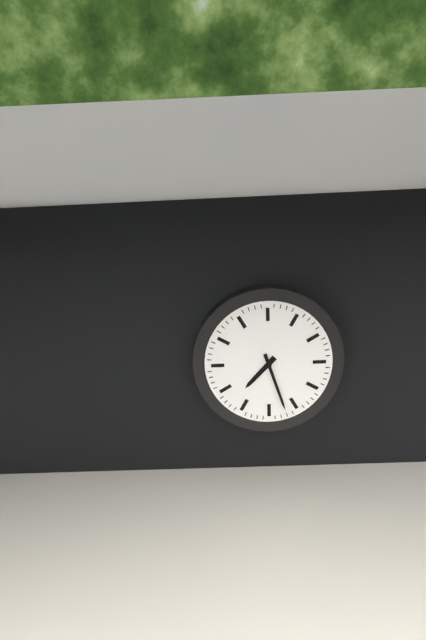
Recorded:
7.27
